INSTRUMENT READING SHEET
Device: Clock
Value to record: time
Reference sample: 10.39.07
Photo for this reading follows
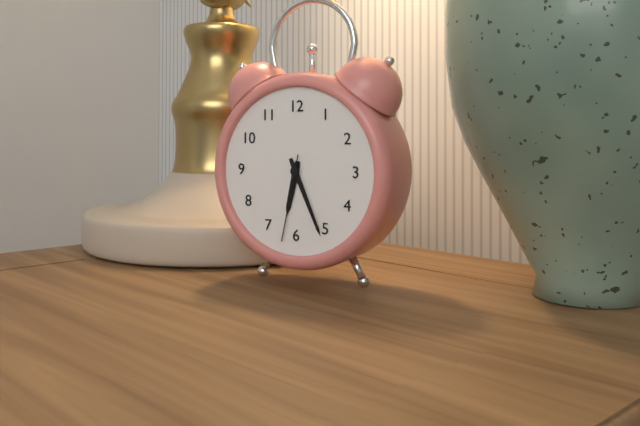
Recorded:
6.26.32
